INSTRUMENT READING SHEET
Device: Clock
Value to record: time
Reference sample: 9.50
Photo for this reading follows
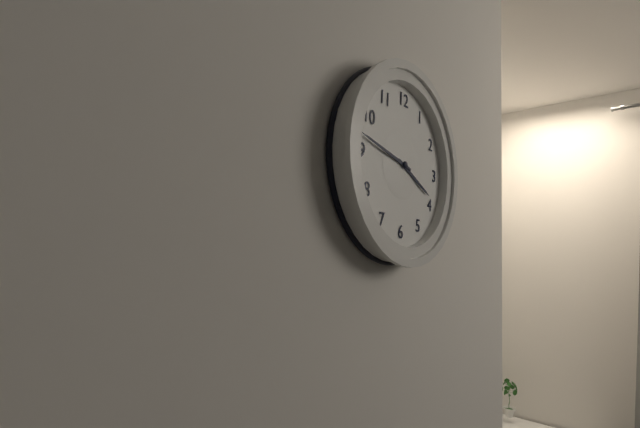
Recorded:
3.47
